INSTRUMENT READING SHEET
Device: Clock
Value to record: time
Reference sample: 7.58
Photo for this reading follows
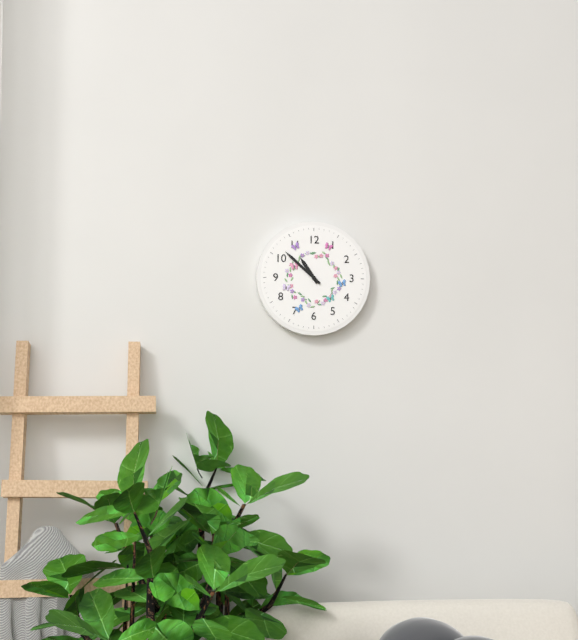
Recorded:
10.52
